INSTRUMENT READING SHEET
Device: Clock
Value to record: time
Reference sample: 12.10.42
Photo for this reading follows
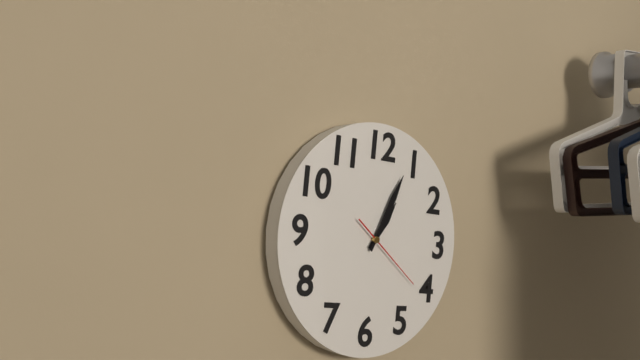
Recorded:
1.04.21
